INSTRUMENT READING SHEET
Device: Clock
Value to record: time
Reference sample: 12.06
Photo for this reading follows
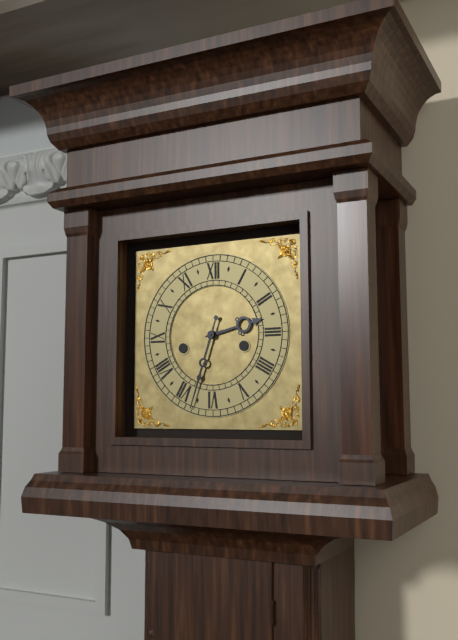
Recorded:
2.33
